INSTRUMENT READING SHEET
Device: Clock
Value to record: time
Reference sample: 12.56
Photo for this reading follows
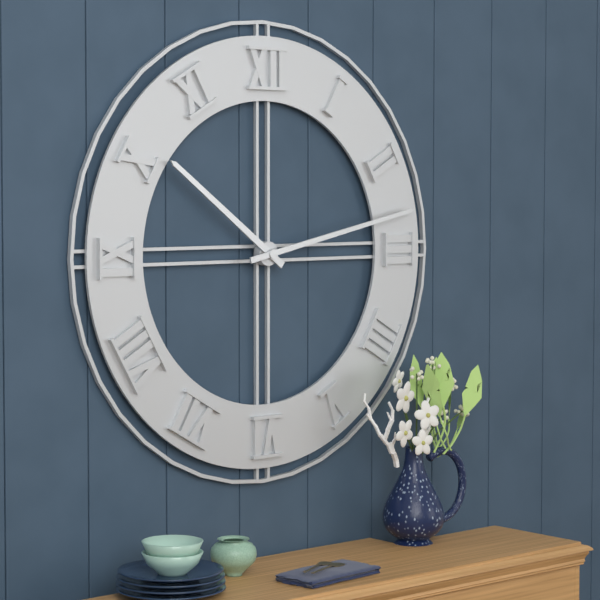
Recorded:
10.13
